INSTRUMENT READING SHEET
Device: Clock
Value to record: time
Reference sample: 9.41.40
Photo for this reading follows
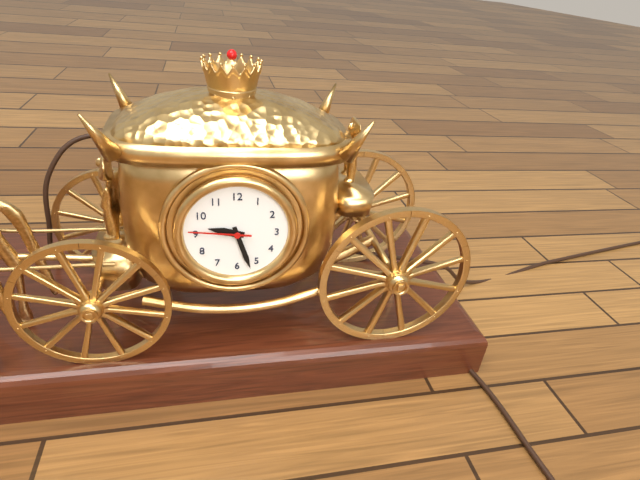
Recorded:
9.27.46
